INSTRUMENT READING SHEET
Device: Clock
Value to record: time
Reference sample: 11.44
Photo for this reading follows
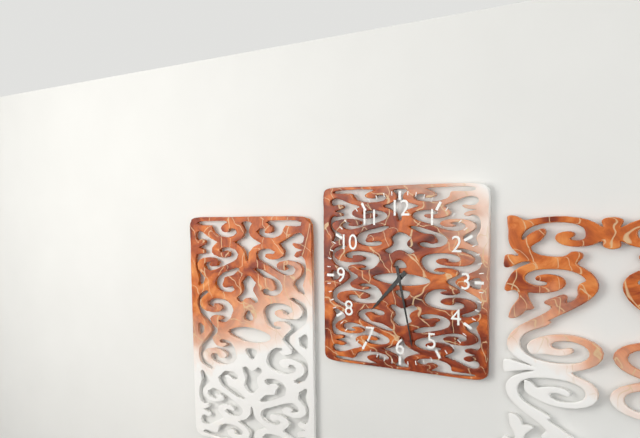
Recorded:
7.28
